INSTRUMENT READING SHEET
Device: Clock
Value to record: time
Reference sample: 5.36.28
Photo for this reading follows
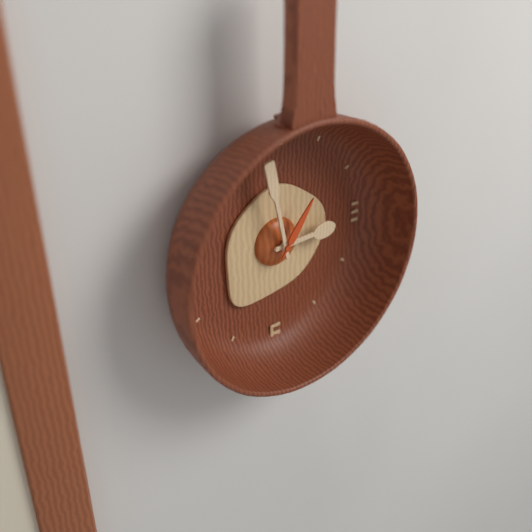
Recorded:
2.58.06
